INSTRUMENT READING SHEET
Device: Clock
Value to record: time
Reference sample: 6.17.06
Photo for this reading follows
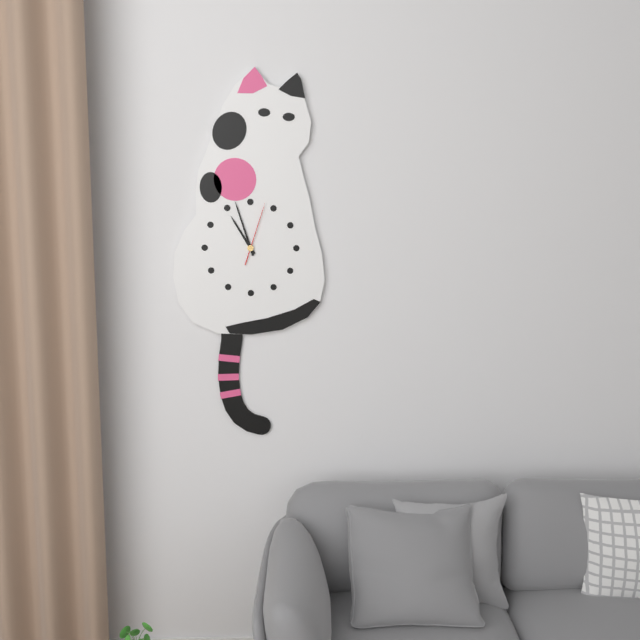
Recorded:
10.57.03
